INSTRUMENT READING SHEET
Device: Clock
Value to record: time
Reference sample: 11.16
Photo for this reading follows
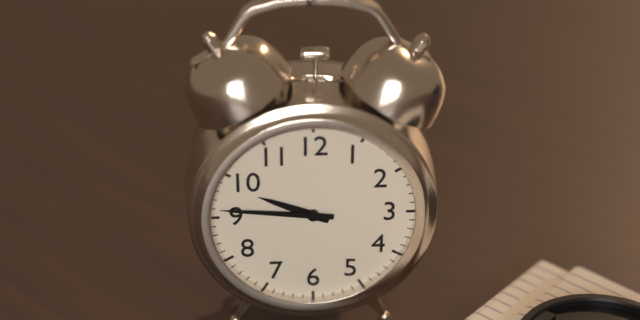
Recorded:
9.46
